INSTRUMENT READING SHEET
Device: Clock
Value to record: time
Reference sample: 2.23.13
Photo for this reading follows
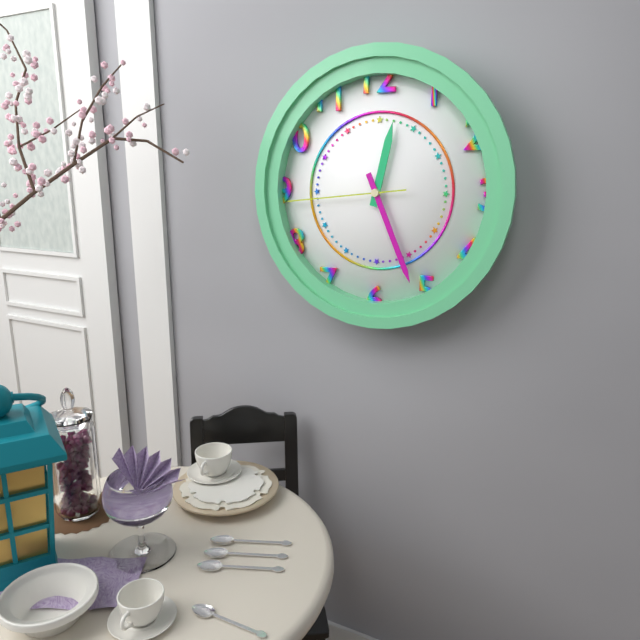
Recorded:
12.26.44
